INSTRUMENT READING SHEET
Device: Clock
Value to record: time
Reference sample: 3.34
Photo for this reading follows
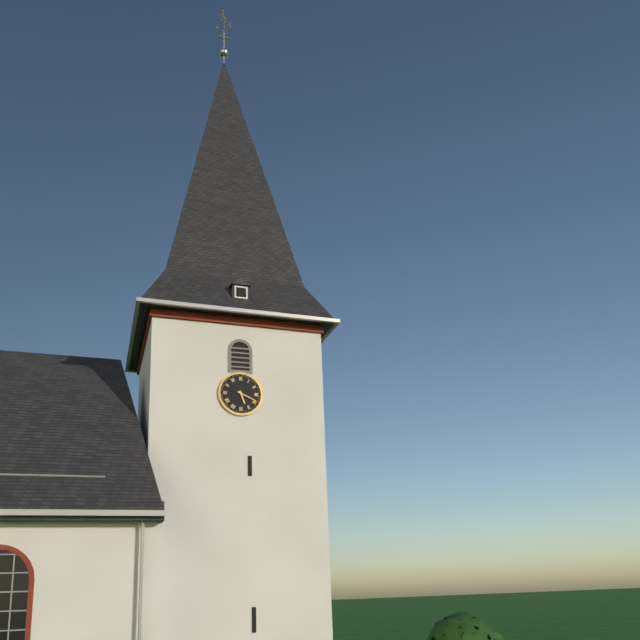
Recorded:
5.19
